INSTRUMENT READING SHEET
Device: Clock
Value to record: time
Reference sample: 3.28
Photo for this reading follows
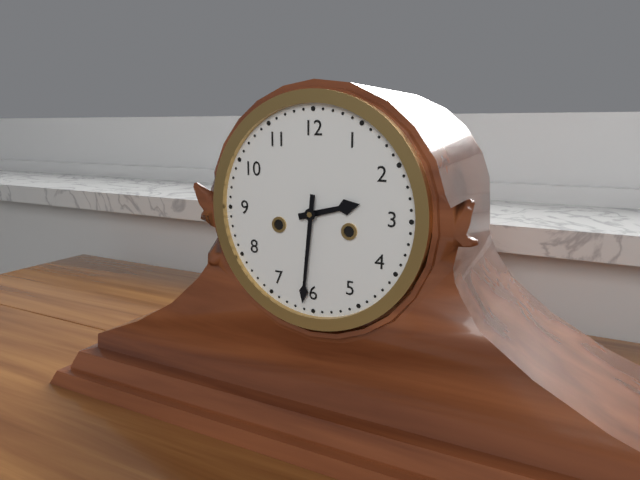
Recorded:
2.31
